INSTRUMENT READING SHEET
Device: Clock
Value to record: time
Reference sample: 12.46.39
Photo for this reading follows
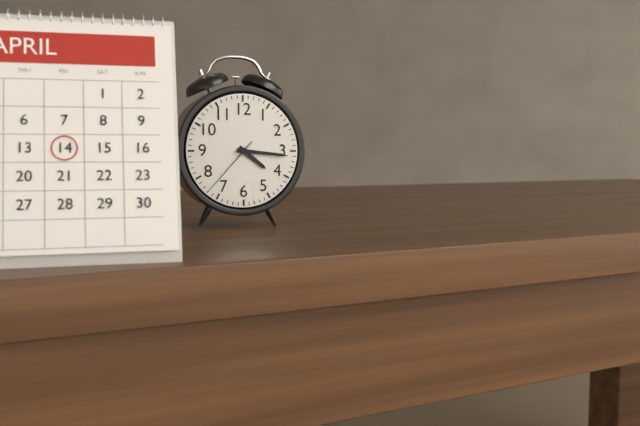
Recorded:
4.16.37
